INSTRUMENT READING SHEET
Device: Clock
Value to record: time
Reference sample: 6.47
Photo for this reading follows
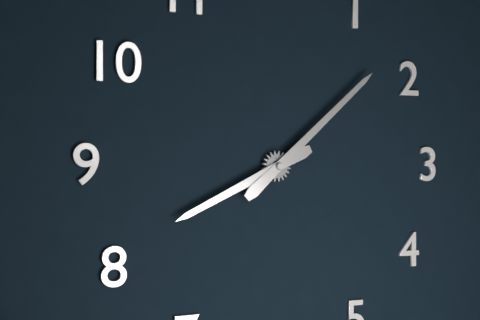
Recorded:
8.08
